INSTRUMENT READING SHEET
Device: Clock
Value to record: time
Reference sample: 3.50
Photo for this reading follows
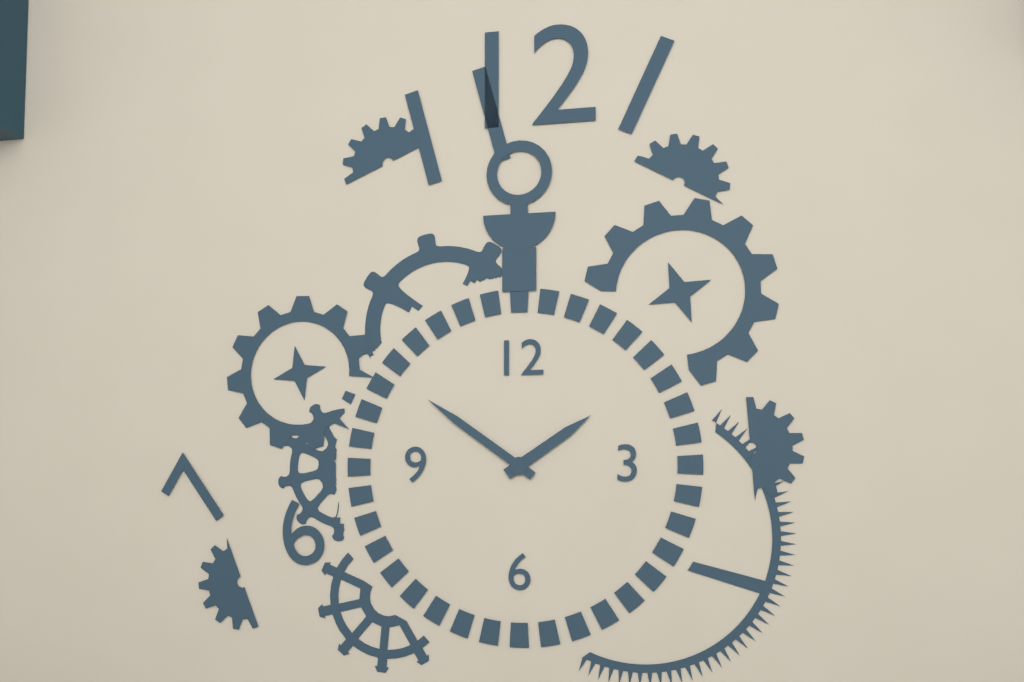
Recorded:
1.51
